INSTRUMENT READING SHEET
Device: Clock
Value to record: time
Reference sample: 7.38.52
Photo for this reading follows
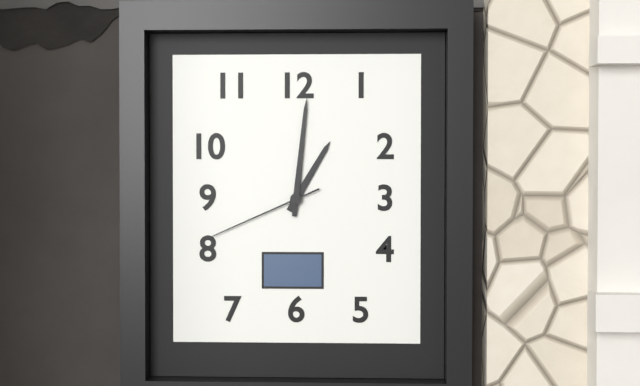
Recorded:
1.01.41
